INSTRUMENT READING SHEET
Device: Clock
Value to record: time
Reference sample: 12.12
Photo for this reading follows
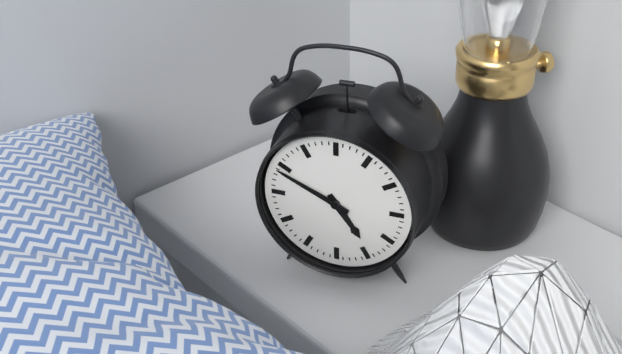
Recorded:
4.49
